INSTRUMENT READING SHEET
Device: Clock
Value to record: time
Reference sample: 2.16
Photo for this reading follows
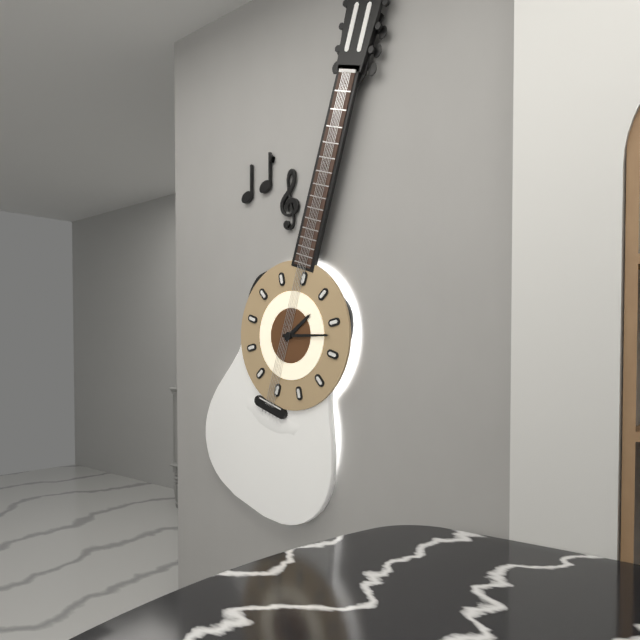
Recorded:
1.12
